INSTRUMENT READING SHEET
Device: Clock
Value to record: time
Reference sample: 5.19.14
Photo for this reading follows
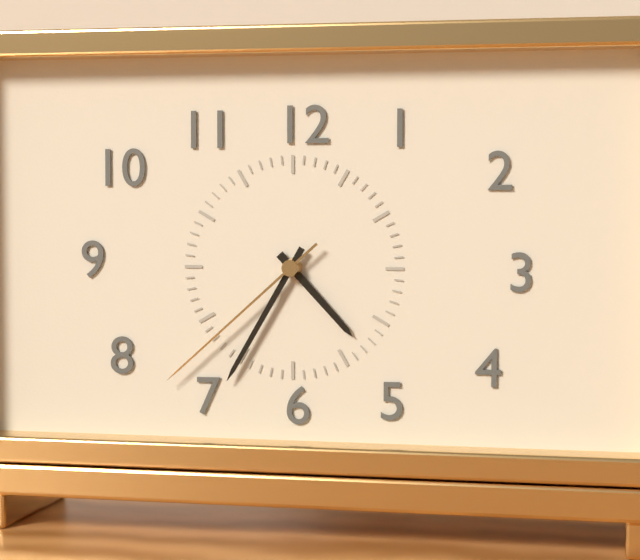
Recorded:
4.35.38
